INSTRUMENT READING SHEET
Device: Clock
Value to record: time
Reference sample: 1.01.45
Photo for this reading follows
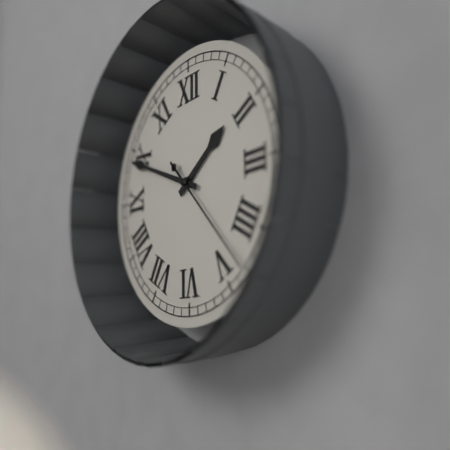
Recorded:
1.49.23
